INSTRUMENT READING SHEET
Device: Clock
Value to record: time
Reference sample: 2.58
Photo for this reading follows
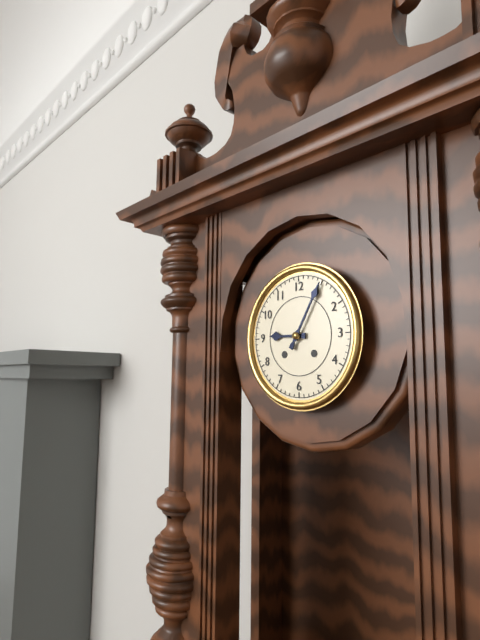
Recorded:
9.05
